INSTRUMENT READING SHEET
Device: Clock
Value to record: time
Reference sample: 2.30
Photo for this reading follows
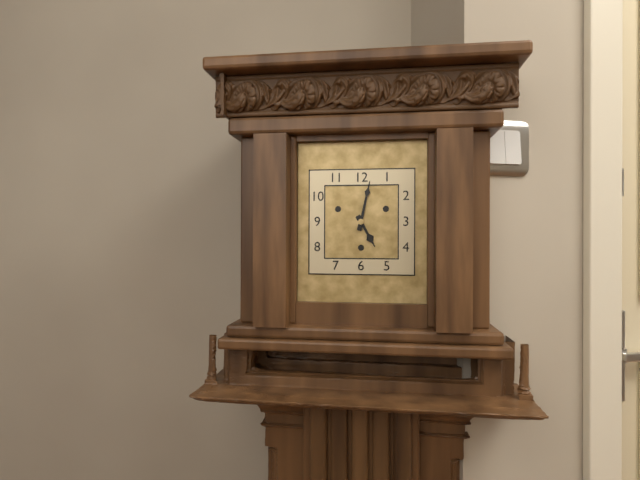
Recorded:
5.02
